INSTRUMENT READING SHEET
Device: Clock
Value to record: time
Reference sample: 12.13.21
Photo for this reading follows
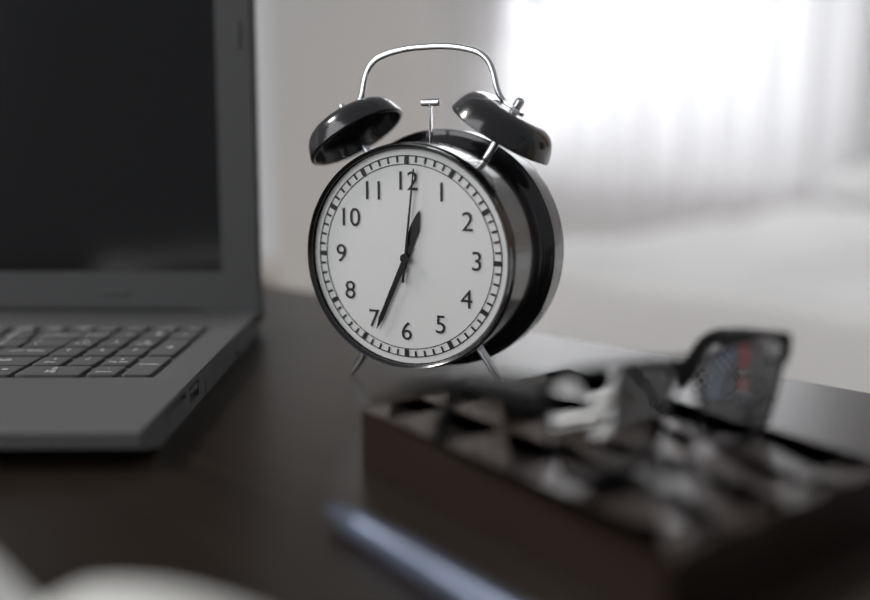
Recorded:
12.34.01
